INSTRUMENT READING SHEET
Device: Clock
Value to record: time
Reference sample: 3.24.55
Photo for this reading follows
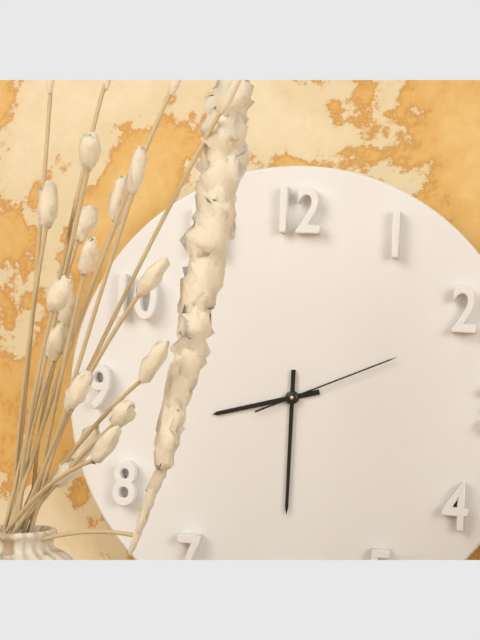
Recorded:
8.30.11
